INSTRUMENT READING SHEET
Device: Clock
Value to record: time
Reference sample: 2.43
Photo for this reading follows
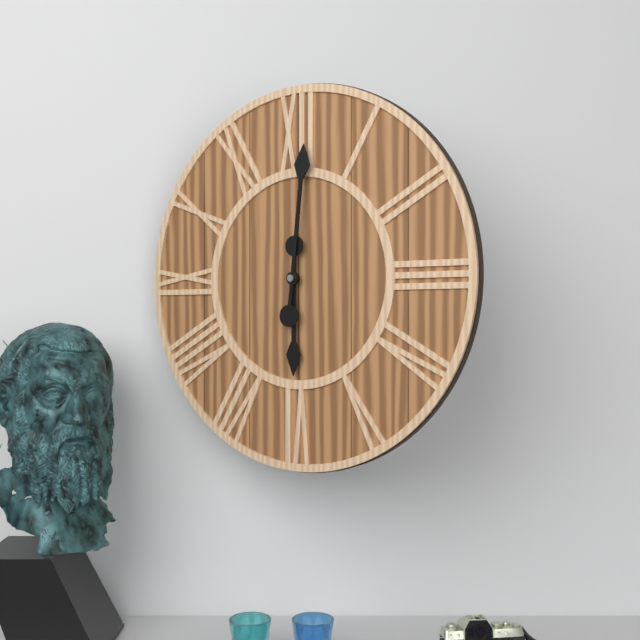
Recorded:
6.01
